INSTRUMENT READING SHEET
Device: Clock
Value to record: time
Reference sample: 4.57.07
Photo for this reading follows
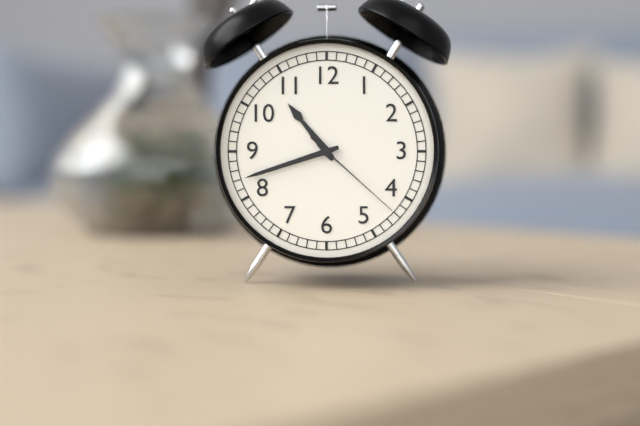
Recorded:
10.42.22
